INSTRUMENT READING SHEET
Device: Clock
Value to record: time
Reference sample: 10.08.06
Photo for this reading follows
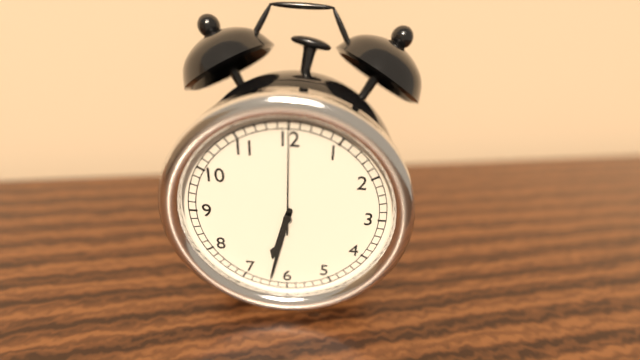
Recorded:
6.32.00
